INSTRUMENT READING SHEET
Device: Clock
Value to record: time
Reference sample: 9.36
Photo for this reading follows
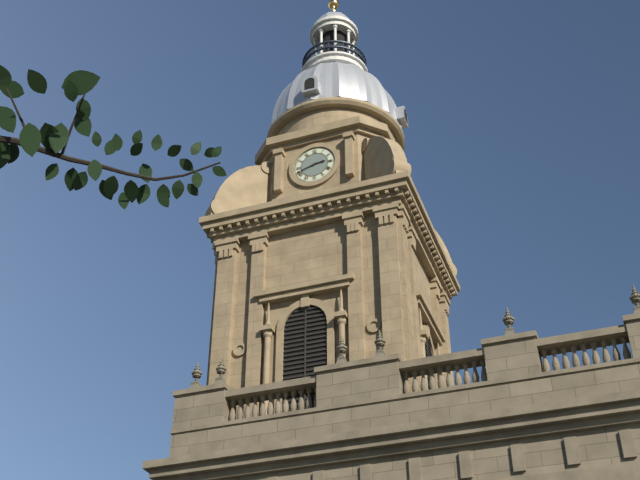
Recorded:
2.42
